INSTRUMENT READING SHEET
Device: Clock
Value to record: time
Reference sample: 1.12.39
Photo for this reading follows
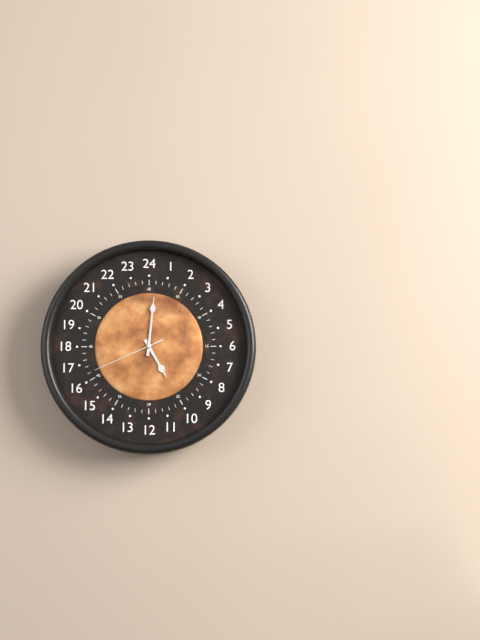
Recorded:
5.01.41
